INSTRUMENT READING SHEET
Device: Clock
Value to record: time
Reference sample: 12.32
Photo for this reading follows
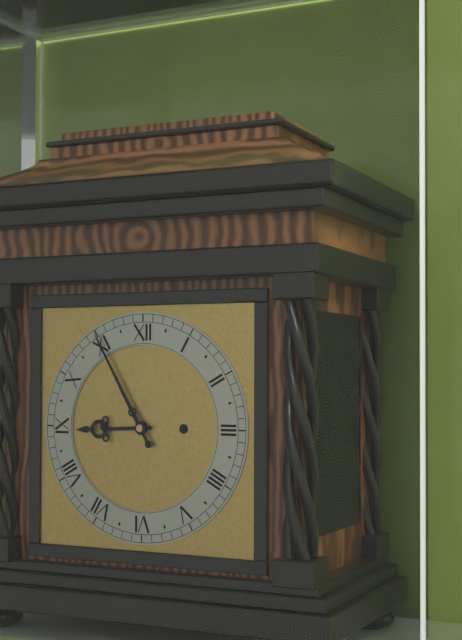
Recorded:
8.55
